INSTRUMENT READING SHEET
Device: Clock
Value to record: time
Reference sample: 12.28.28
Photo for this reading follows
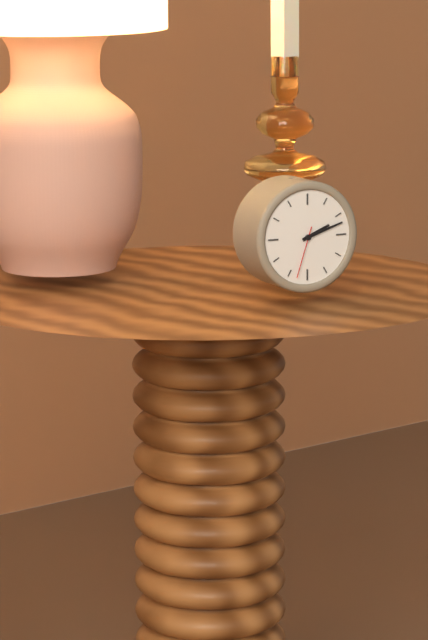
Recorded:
2.12.33
